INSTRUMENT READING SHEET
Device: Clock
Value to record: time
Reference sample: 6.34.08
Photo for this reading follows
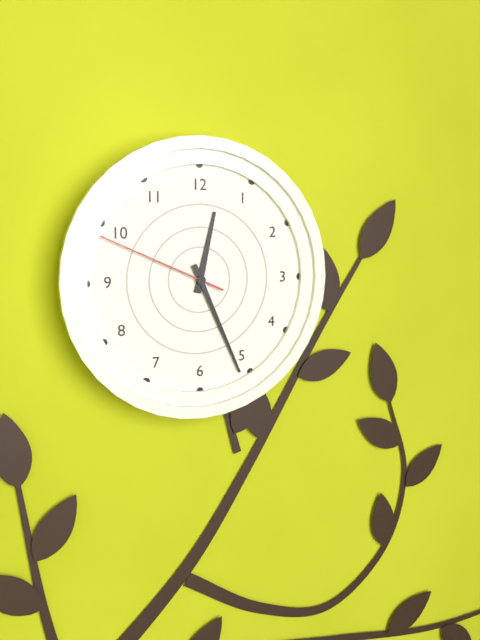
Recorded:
12.26.49
